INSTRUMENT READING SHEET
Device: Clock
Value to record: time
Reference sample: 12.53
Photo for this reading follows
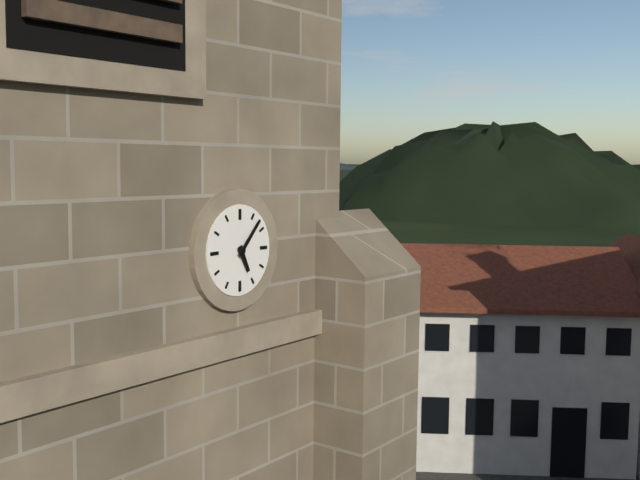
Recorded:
5.07
